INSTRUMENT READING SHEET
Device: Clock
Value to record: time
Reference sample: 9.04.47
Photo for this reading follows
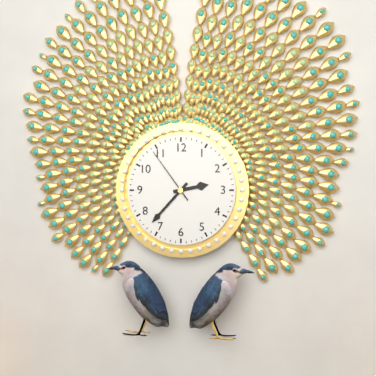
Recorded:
2.37.54
